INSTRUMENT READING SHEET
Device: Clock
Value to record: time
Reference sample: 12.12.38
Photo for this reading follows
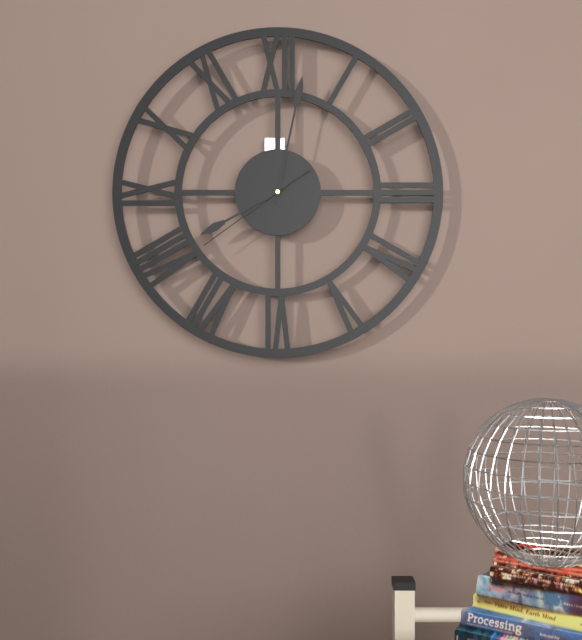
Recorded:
8.02.39
